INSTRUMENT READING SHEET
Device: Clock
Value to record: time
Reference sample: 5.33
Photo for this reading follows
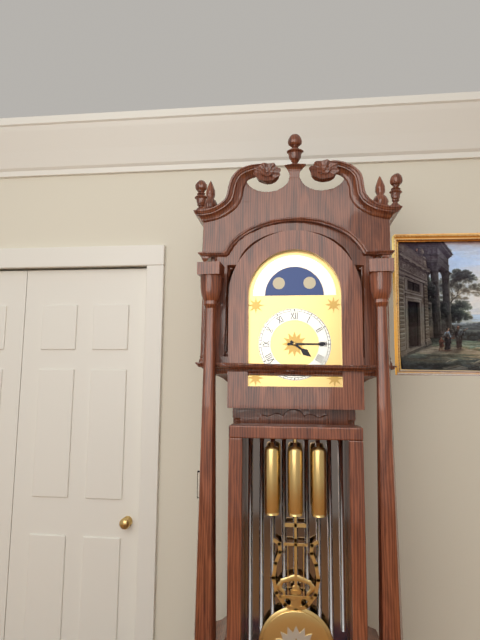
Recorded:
4.15
